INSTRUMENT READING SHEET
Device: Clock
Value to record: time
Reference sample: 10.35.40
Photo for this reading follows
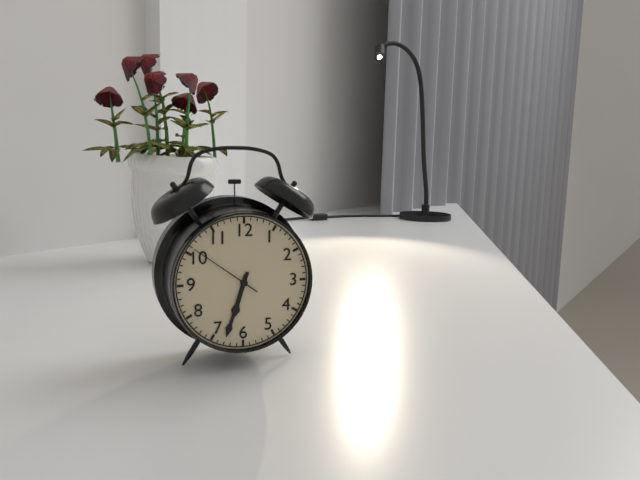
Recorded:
6.33.51
